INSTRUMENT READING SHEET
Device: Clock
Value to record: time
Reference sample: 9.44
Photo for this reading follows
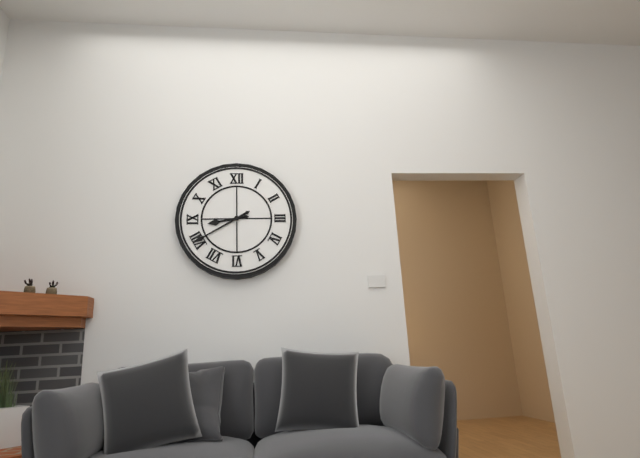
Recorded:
8.40
